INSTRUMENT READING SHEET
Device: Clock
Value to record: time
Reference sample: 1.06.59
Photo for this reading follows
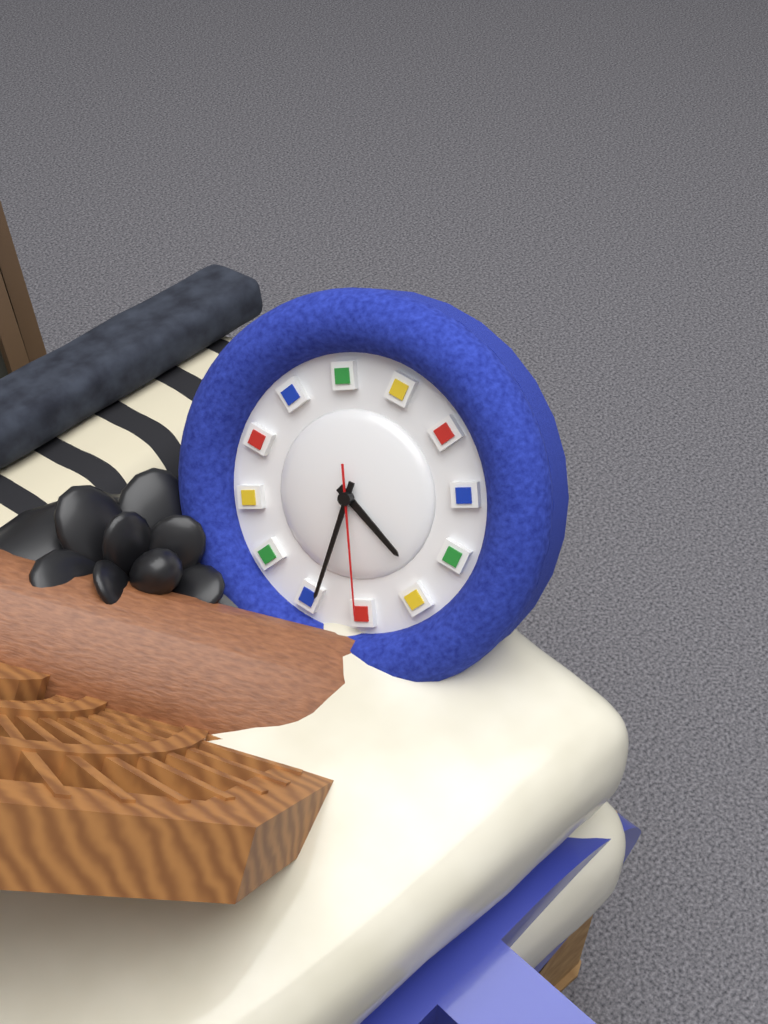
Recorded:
5.39.35
